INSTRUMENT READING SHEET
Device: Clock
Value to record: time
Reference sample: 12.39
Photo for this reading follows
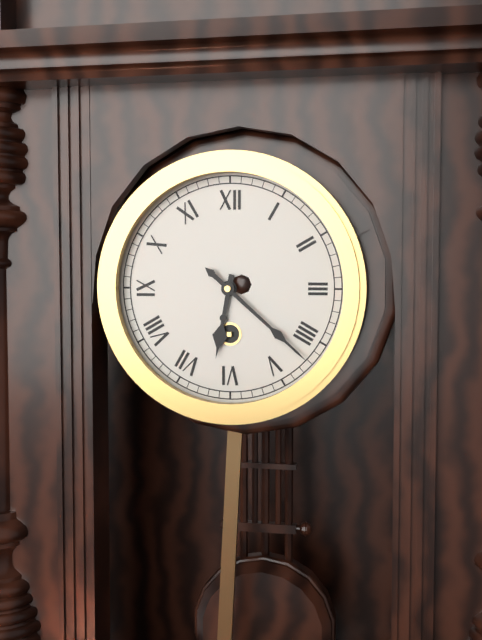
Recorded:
6.22
